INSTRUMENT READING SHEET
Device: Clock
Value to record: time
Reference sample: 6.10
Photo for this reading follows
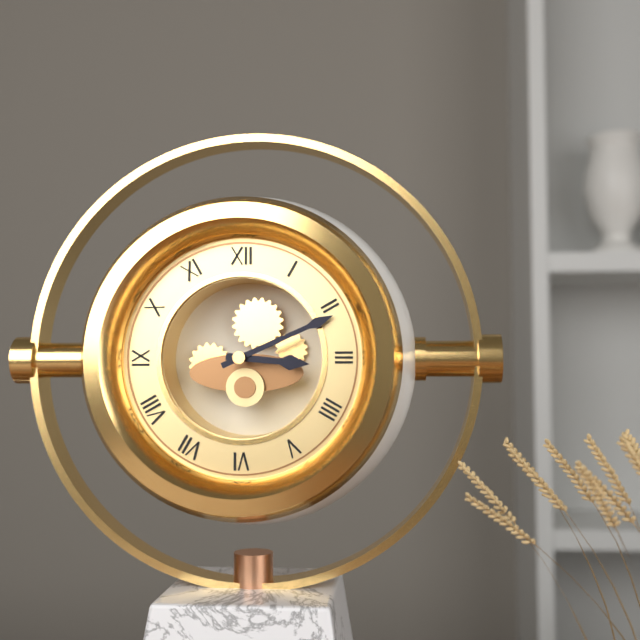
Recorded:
3.11
